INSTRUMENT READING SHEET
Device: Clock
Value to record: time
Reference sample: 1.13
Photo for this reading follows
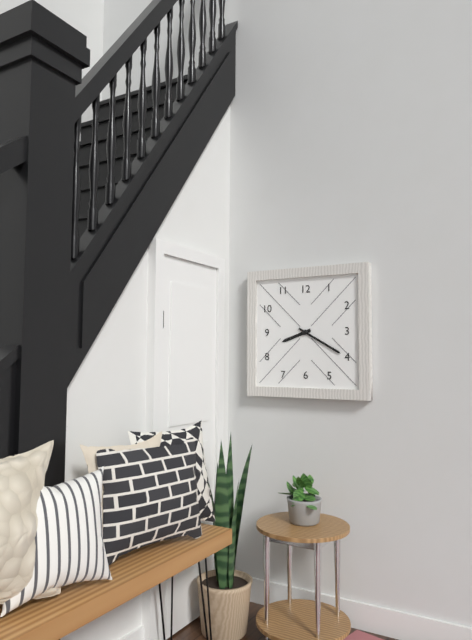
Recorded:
8.20
